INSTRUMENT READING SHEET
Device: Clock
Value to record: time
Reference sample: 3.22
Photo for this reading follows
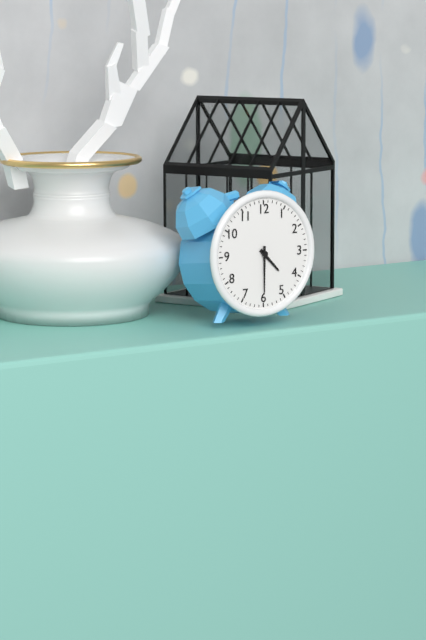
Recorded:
4.30
